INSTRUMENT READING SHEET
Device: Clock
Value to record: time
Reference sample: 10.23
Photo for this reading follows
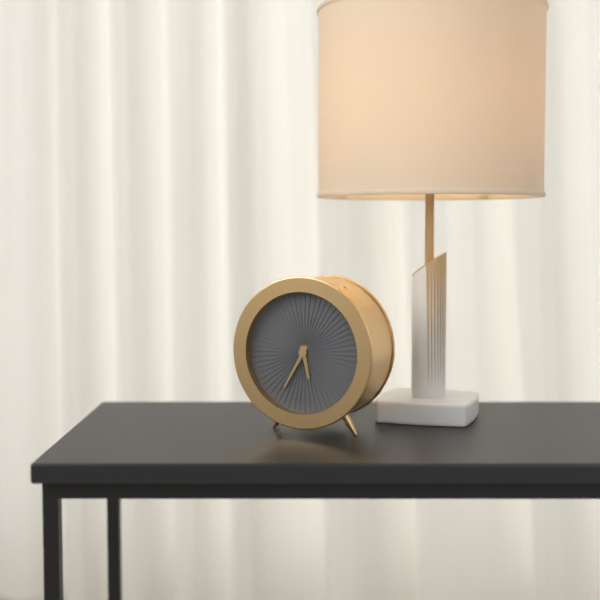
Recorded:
5.35
